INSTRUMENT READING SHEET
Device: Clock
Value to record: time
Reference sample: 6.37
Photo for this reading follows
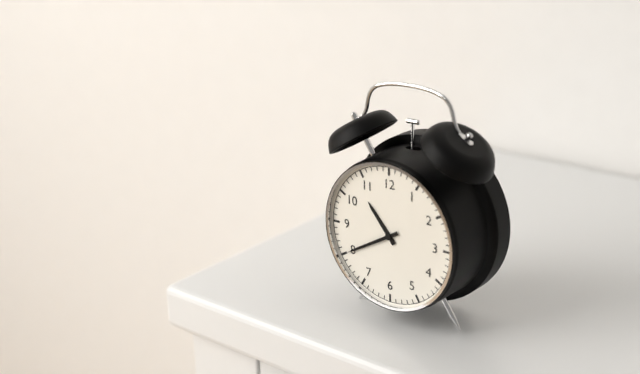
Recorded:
10.40
